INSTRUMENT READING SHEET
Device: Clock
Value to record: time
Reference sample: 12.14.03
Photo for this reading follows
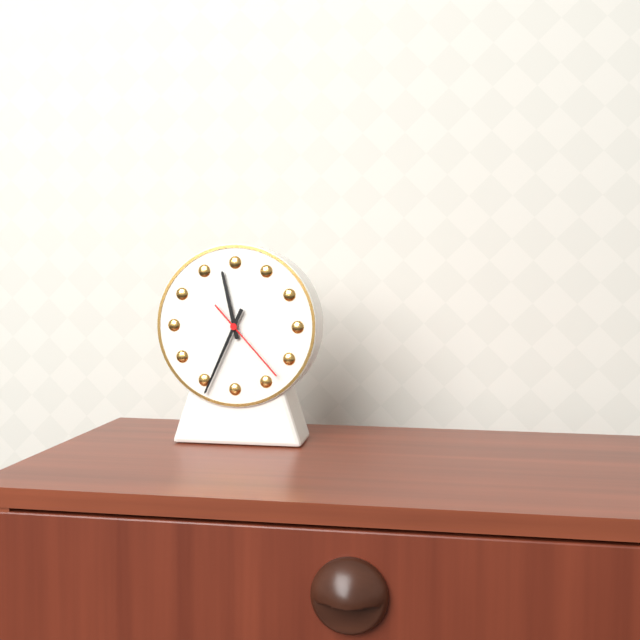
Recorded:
11.34.23
